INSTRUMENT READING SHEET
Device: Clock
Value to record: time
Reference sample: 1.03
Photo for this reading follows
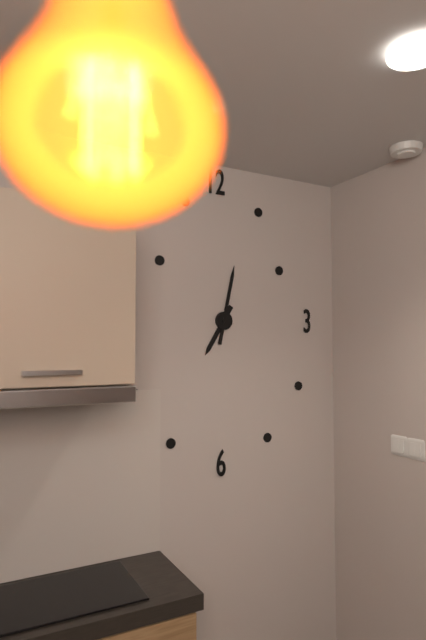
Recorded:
7.02
